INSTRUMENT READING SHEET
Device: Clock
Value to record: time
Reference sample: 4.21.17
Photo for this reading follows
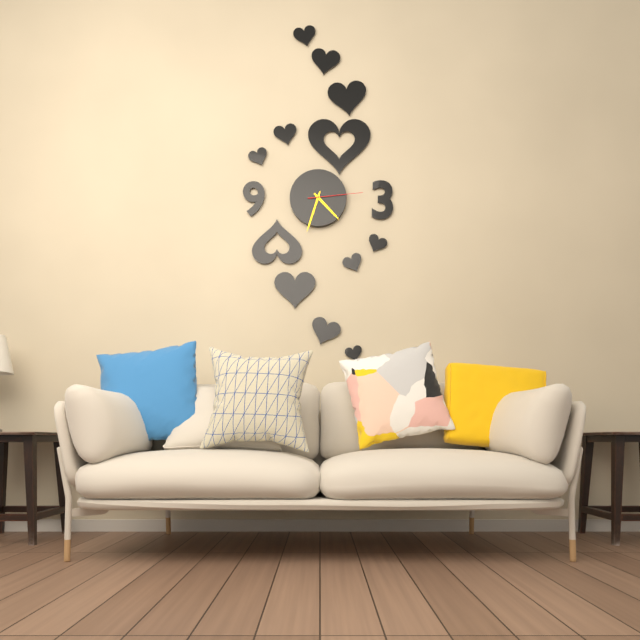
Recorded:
4.33.14
